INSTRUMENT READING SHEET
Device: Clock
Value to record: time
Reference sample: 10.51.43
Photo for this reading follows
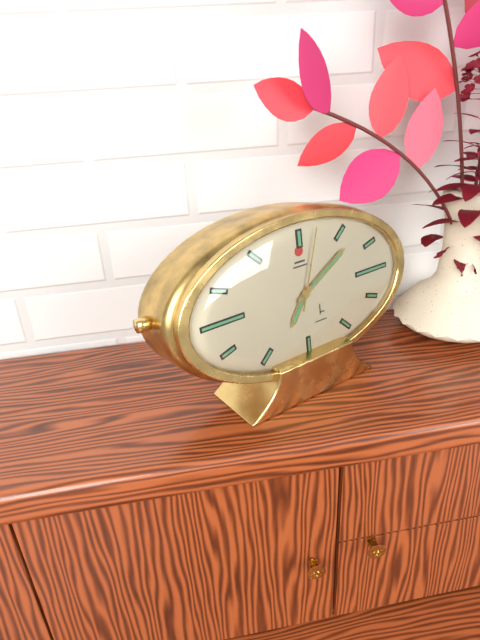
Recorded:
7.10.03
